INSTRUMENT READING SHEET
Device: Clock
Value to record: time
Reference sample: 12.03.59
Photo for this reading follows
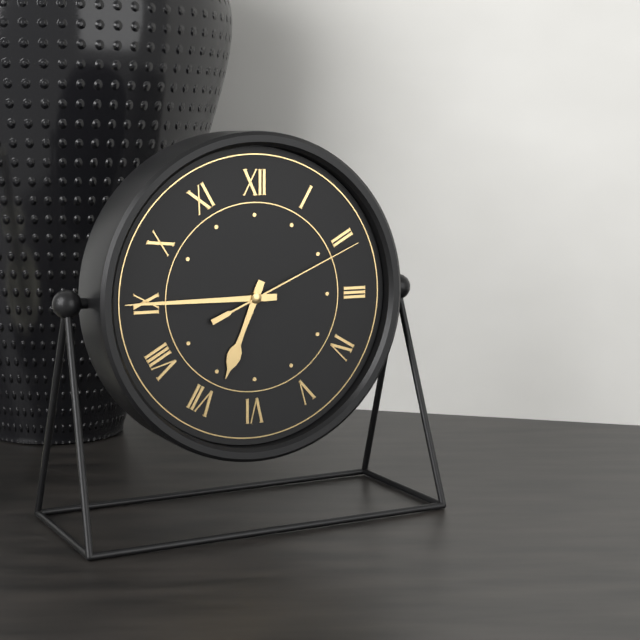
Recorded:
6.45.11
